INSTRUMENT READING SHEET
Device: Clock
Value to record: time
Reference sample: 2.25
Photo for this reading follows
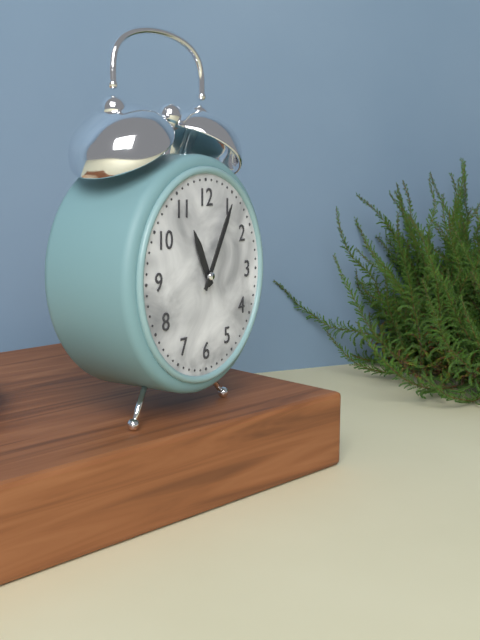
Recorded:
11.05
